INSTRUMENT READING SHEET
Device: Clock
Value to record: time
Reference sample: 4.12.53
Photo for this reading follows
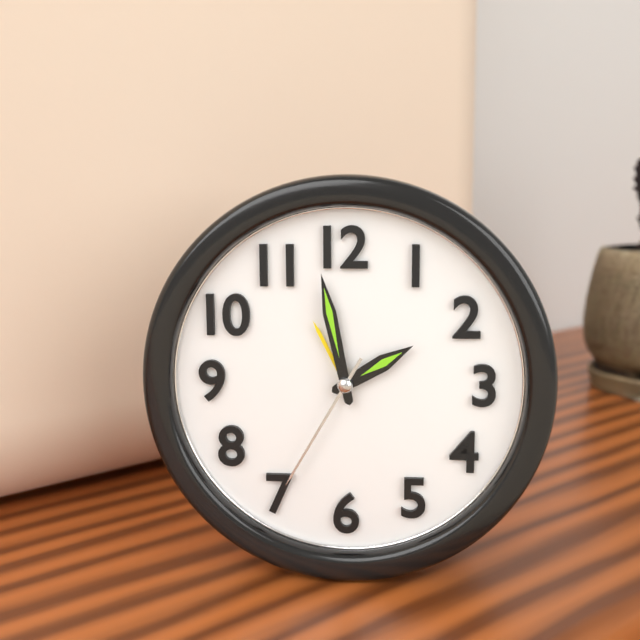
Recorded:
1.58.35
